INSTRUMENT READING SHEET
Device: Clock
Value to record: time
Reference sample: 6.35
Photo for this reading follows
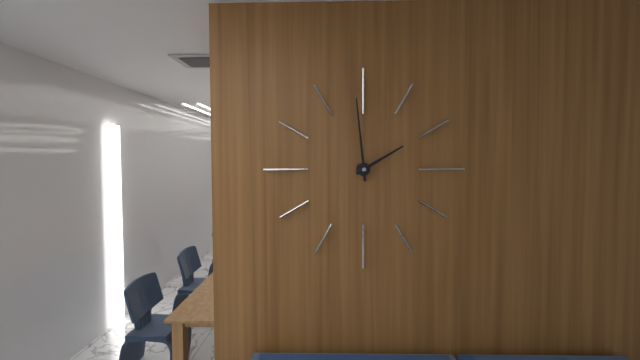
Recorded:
1.59
